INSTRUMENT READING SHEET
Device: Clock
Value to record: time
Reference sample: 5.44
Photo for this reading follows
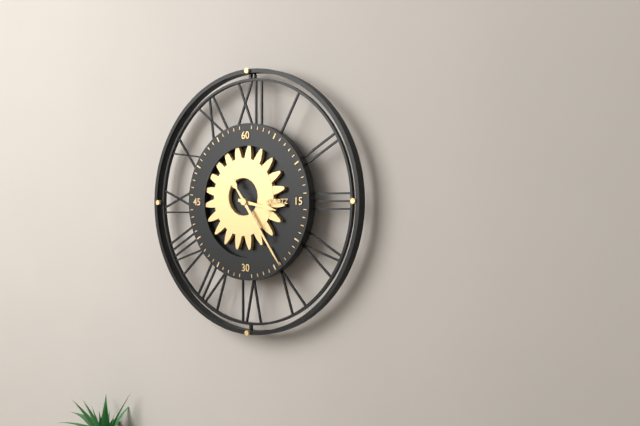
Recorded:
3.24
